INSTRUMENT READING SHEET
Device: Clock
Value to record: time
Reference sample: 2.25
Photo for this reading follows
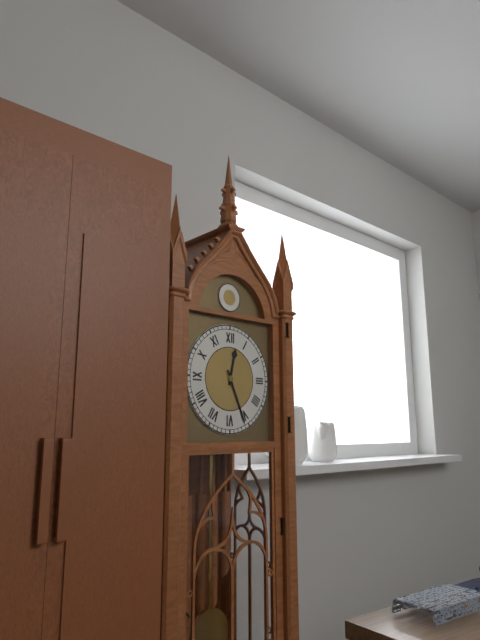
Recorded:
12.26
